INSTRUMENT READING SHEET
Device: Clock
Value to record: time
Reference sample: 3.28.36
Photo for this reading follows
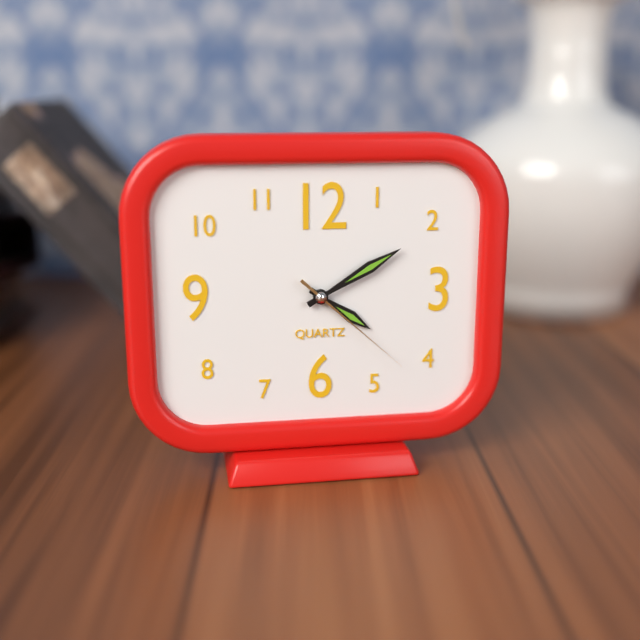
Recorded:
4.10.22
